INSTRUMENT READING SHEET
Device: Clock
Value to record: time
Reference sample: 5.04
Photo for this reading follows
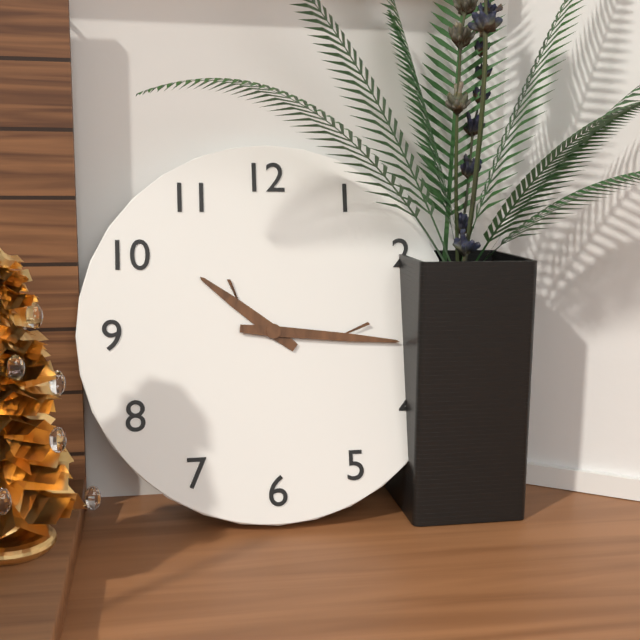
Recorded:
10.16
